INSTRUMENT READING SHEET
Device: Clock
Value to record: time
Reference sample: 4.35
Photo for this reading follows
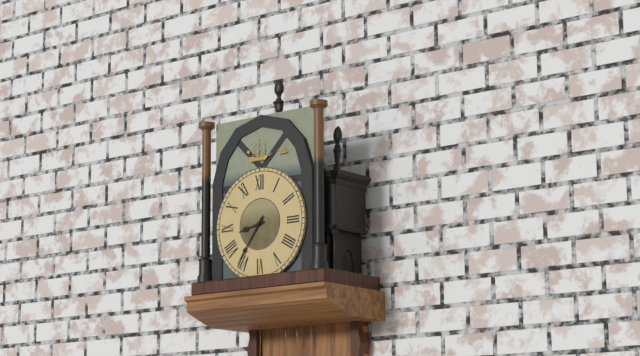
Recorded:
8.36
